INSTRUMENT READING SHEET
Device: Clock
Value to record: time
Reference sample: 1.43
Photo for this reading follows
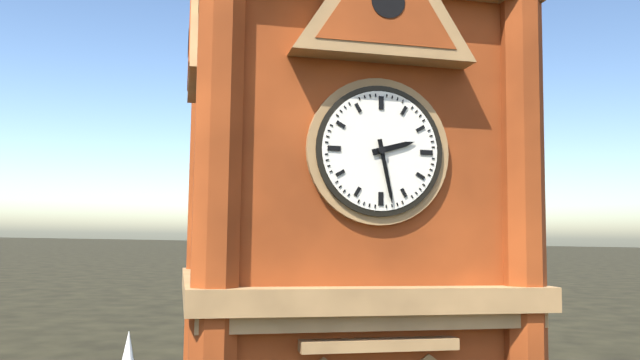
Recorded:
2.28
